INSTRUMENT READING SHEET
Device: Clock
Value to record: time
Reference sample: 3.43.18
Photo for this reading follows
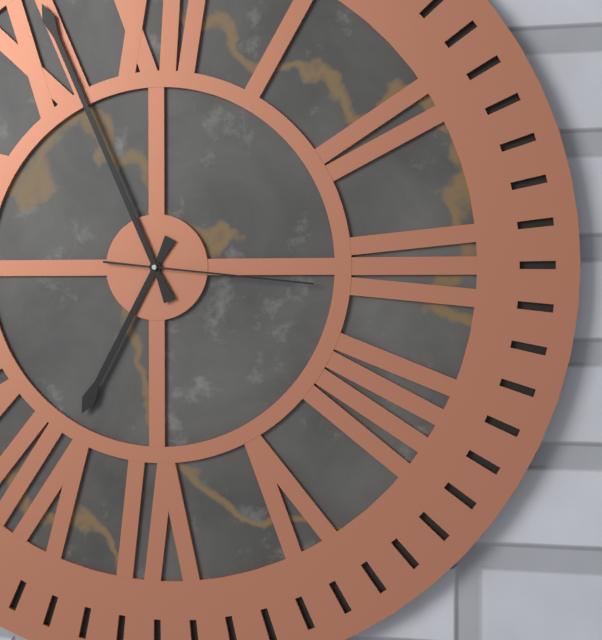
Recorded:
6.56.16
